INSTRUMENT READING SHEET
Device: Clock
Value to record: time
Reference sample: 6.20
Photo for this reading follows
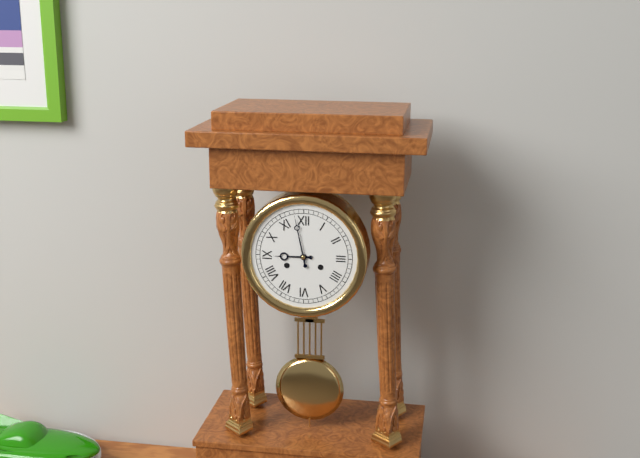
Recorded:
8.58
